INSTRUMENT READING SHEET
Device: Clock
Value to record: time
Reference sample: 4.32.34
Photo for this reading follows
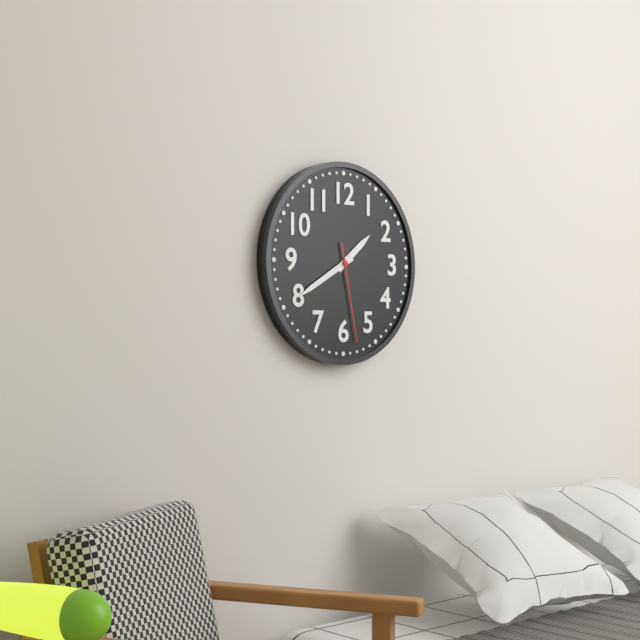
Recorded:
1.40.28
